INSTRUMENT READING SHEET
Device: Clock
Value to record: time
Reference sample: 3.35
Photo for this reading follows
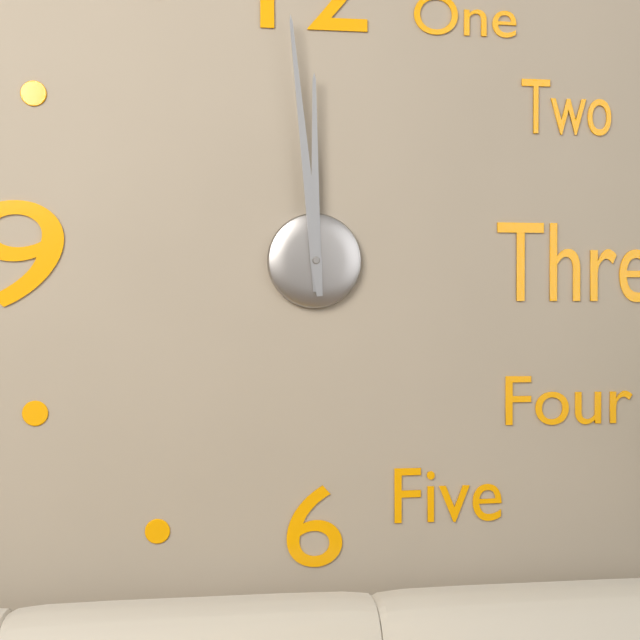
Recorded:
11.59
